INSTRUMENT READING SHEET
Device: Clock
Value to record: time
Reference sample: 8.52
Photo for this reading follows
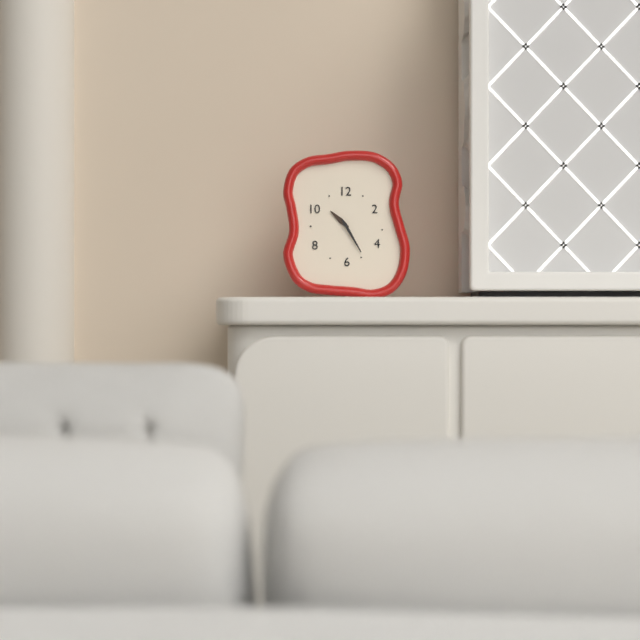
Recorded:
10.25
